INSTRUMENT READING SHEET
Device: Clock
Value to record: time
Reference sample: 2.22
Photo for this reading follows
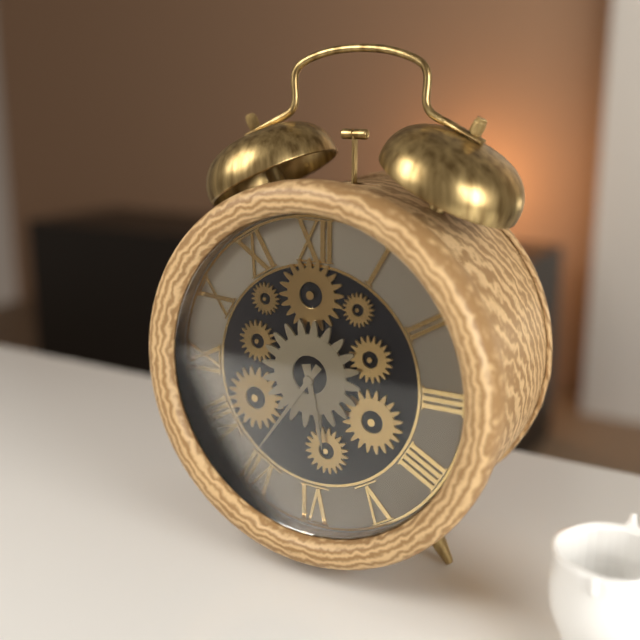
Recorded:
5.36
